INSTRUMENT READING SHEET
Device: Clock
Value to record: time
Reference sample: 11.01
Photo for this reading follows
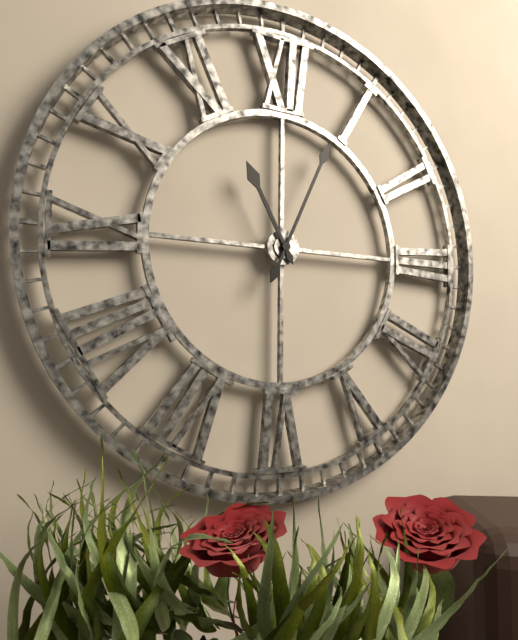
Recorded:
11.04
